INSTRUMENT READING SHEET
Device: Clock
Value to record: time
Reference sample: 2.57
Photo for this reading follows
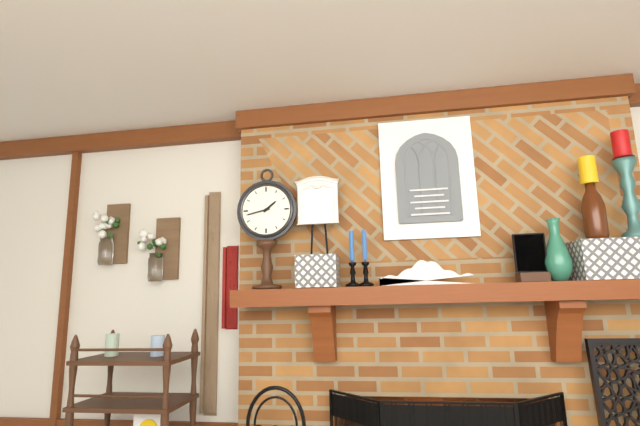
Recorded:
1.43
